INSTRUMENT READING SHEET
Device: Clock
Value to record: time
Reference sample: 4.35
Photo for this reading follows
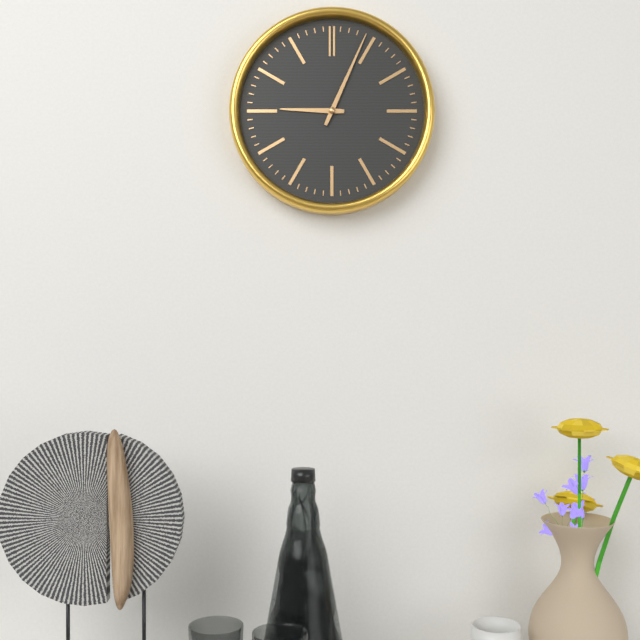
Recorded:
9.04
